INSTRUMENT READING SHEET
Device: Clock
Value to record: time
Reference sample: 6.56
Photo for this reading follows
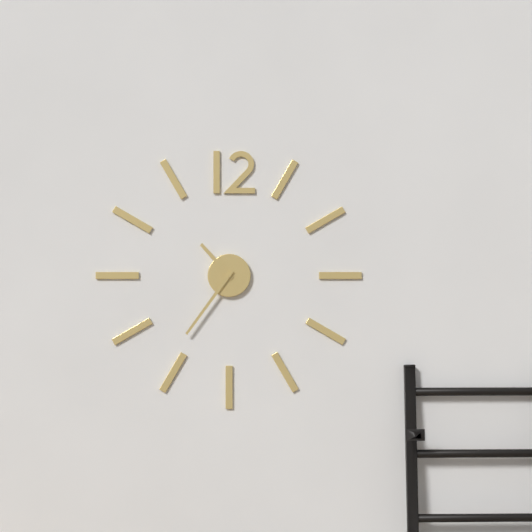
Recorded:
10.36
